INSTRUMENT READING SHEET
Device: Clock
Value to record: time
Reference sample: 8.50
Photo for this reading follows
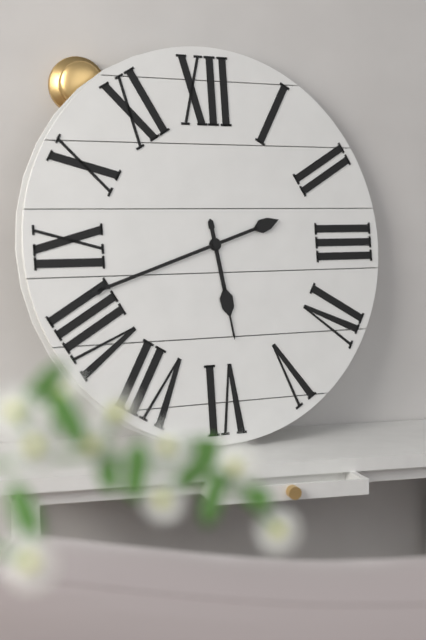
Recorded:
5.42
